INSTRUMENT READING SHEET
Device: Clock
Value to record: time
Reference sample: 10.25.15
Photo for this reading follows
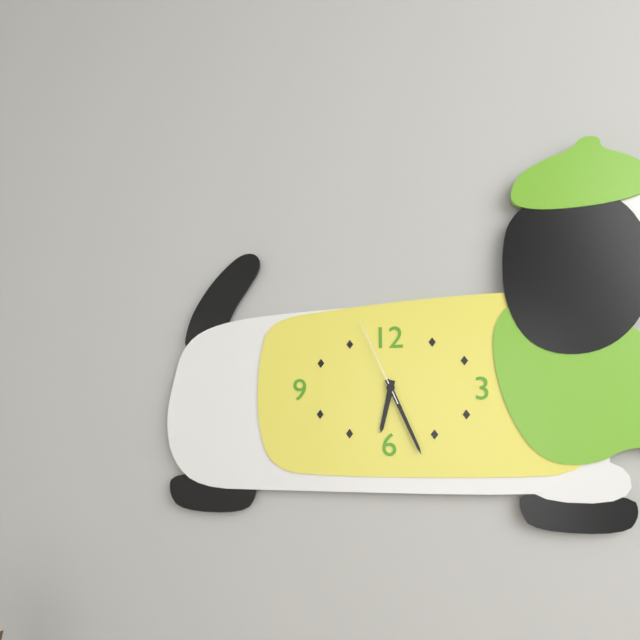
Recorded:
6.26.56
